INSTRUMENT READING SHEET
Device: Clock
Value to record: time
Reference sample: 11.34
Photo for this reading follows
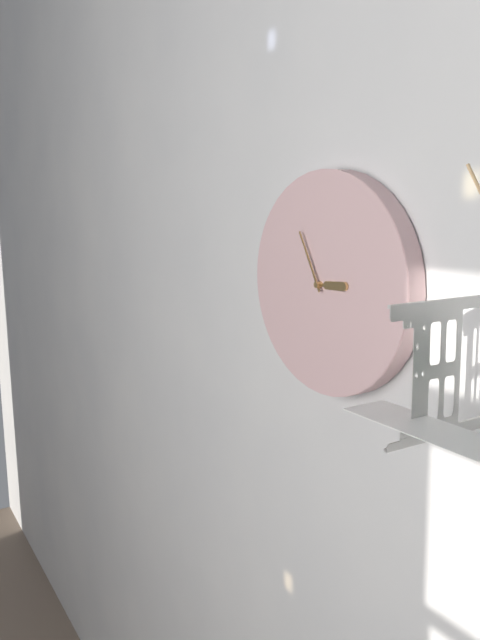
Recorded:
2.55
